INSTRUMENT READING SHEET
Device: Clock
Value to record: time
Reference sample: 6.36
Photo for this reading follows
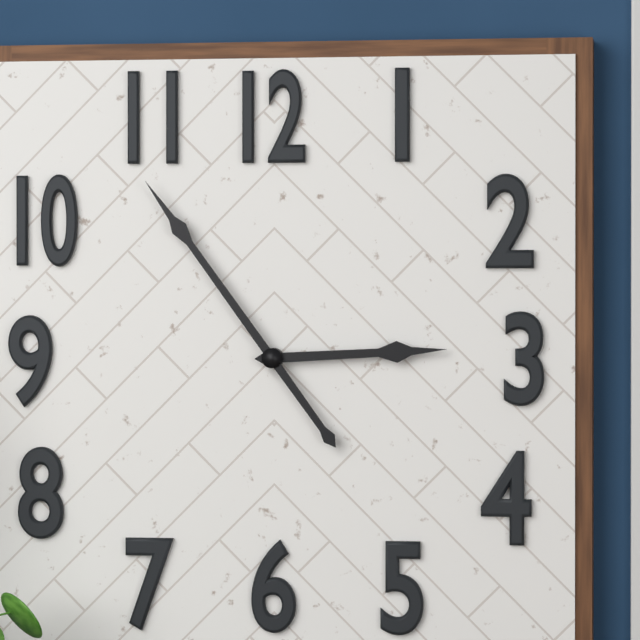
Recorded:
2.54
